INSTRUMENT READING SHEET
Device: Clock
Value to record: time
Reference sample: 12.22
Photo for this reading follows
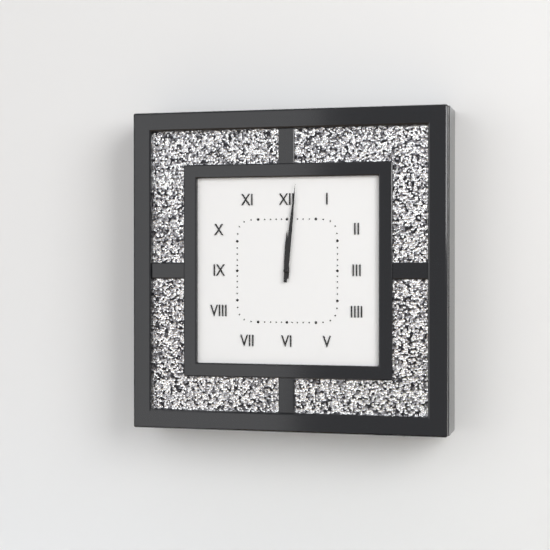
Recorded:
12.01
